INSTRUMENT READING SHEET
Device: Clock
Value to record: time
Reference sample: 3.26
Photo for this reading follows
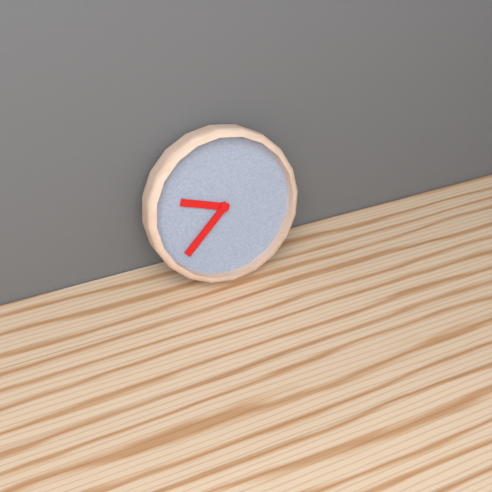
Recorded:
9.38
